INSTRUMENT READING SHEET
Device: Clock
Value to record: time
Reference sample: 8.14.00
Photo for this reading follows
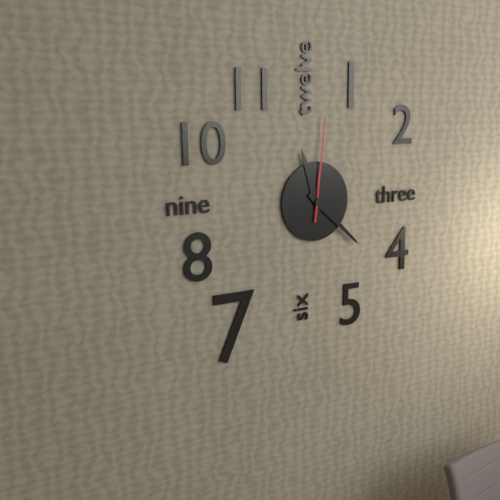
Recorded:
11.22.01
